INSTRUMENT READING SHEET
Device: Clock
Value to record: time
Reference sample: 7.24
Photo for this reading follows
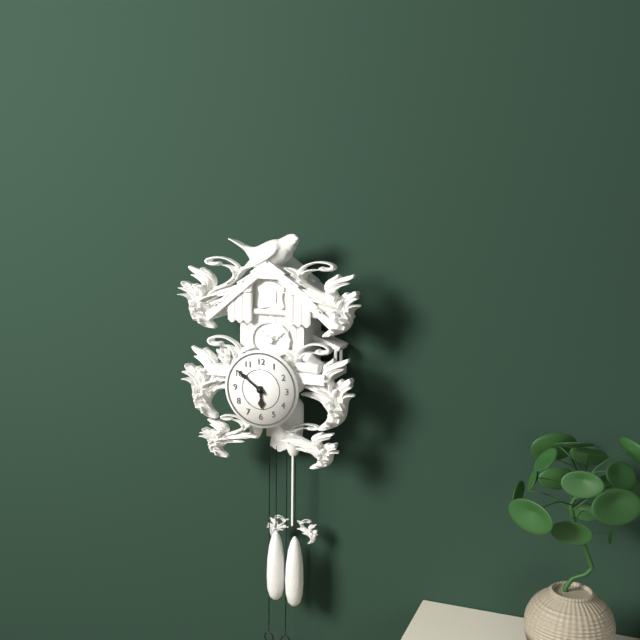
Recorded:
5.51
